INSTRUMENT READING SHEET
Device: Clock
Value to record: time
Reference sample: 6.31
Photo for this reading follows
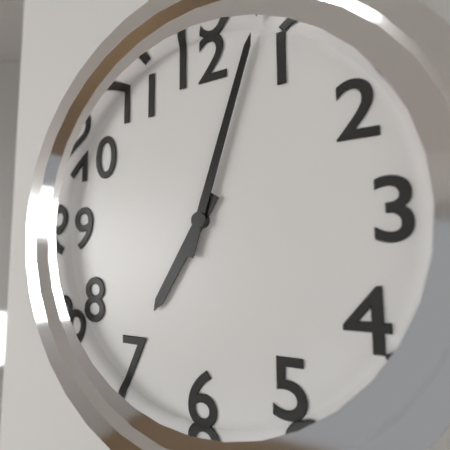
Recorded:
7.03
